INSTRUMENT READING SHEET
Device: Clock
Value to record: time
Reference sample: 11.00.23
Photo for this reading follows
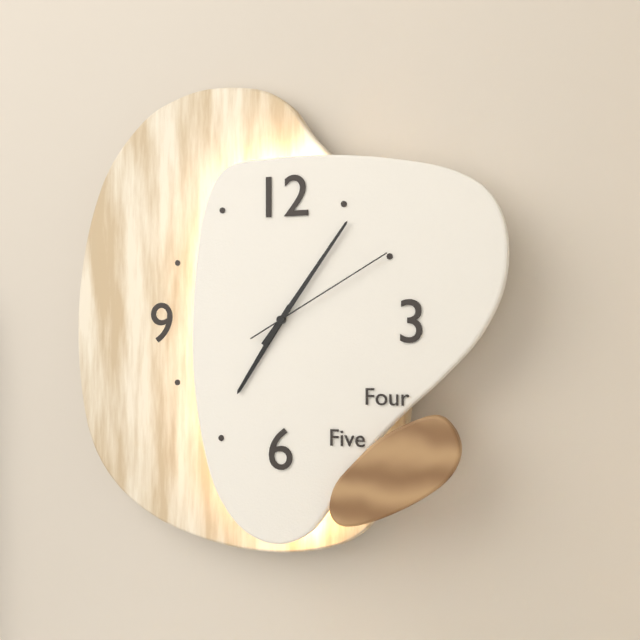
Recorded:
7.06.10
